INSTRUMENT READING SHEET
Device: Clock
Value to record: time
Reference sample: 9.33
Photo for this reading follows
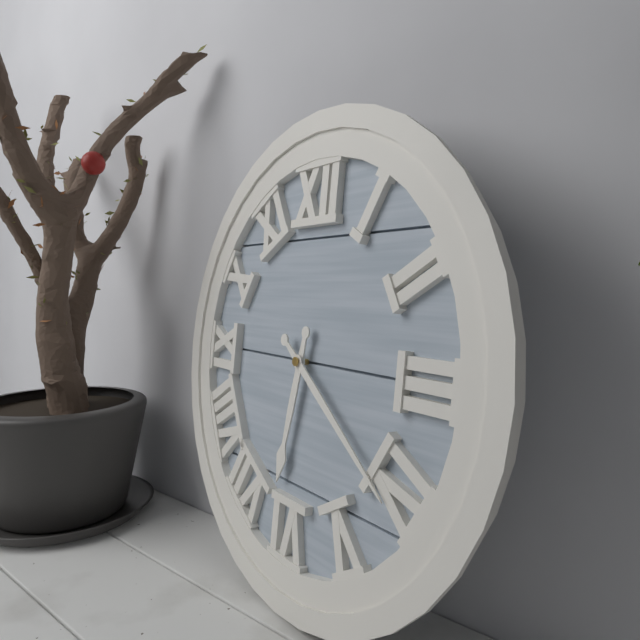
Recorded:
6.21
